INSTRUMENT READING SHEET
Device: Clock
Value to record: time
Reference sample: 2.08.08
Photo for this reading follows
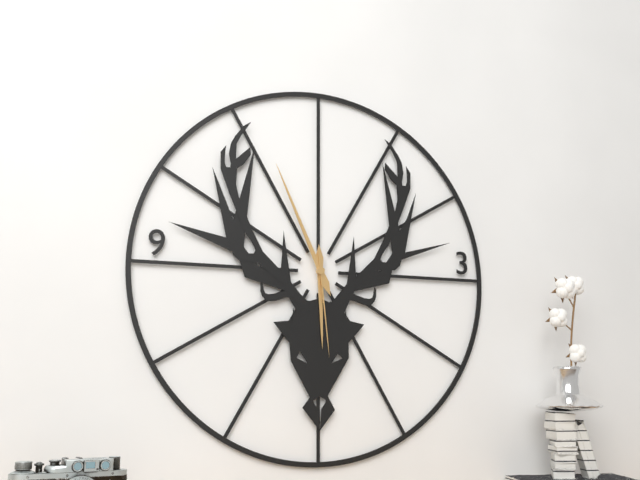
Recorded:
5.56.29
